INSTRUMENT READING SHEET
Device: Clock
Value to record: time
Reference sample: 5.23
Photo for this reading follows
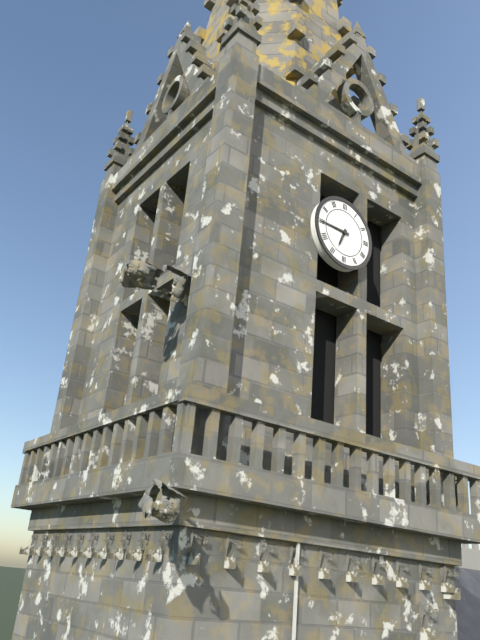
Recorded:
6.45
